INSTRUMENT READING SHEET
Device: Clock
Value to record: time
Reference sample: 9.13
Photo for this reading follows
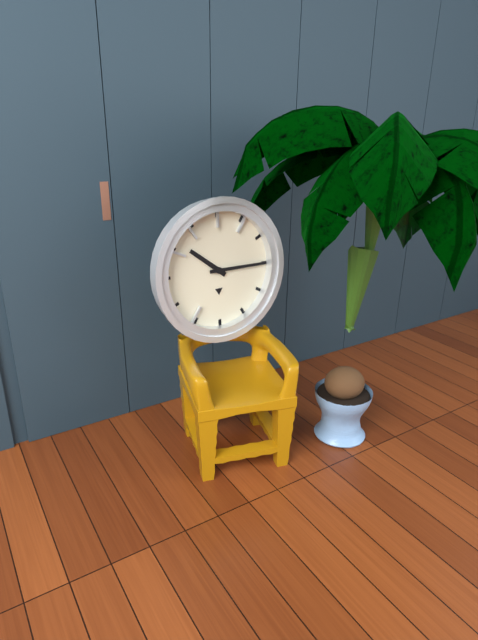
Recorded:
10.15
